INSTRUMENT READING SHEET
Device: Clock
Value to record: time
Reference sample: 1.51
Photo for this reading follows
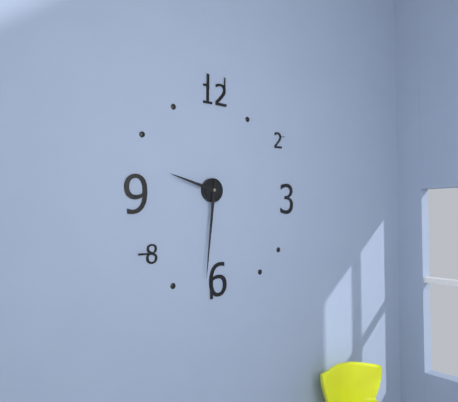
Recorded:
9.31
